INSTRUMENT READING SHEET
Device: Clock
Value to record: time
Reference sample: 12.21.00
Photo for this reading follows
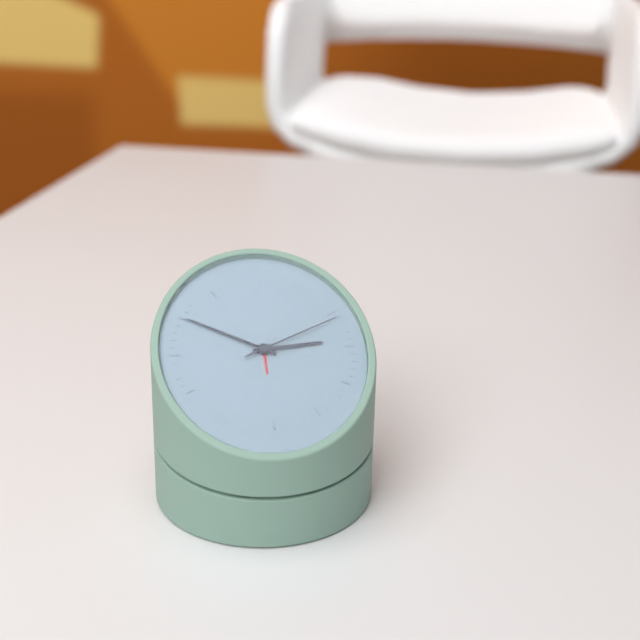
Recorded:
2.50.11
